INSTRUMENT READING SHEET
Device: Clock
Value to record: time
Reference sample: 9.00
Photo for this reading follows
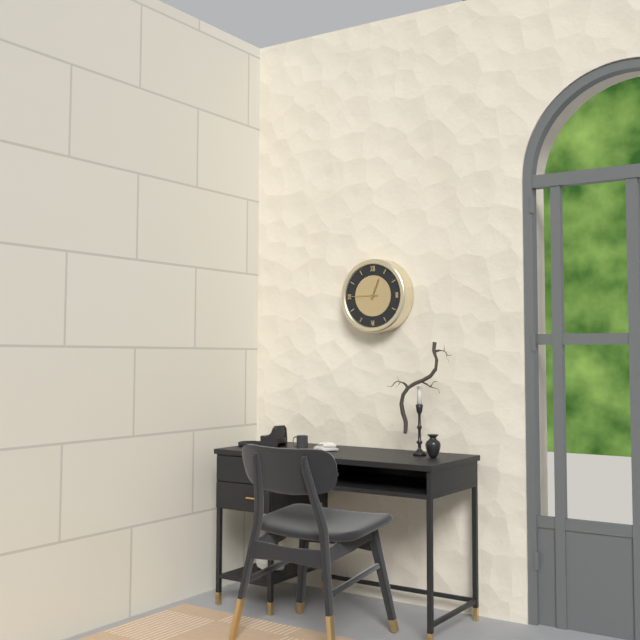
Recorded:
12.45
